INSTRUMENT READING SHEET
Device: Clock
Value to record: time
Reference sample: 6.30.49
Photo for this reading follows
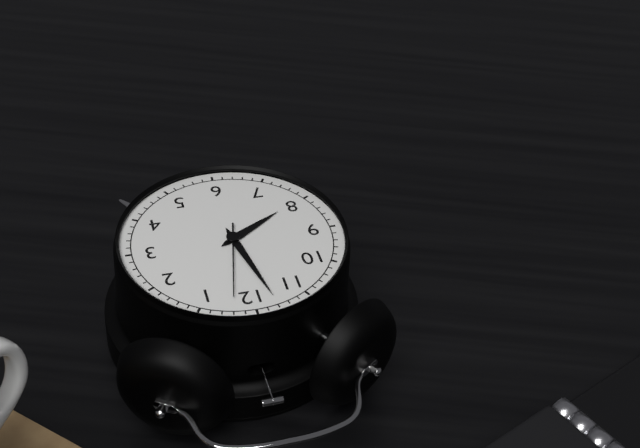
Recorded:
7.58.02
